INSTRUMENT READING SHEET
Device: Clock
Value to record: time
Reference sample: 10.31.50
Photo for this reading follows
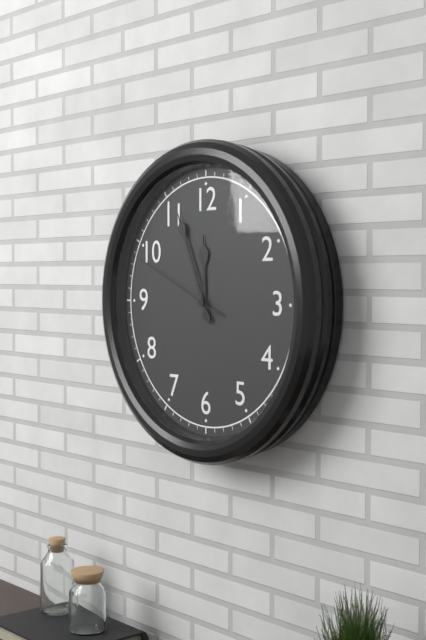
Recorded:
11.56.49
